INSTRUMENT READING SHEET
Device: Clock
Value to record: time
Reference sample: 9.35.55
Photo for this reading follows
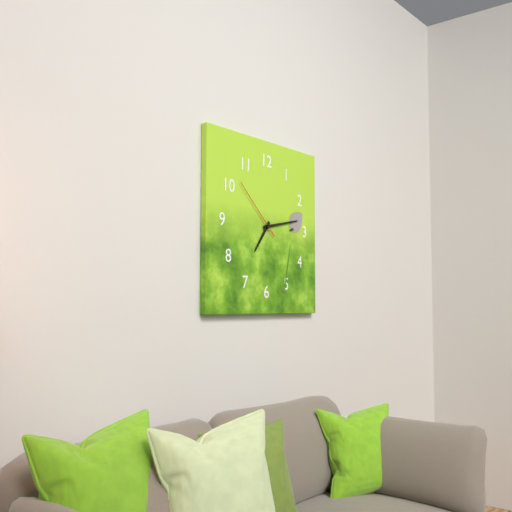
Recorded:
7.13.52
